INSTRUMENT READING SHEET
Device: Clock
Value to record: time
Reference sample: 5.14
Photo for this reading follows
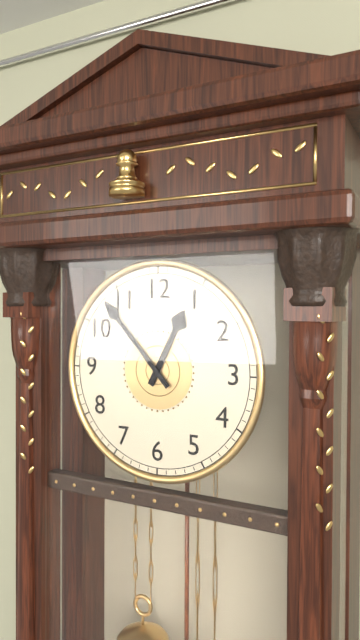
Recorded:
12.53
